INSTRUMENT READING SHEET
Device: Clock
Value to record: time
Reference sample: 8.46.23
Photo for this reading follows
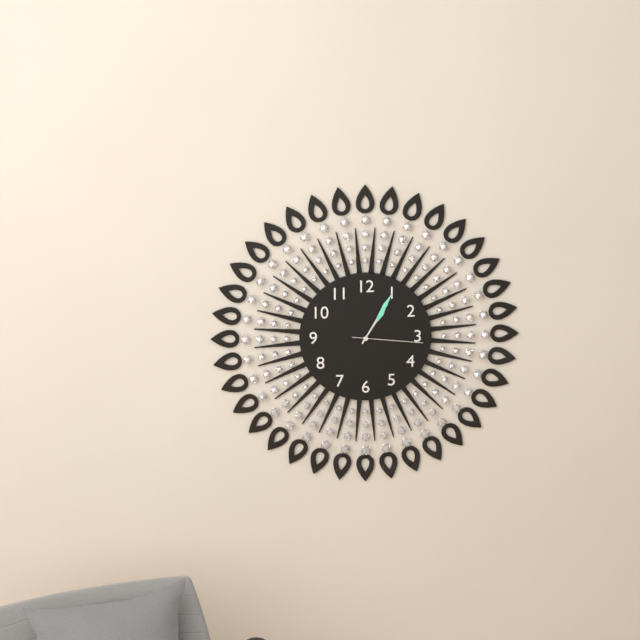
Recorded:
1.05.16
